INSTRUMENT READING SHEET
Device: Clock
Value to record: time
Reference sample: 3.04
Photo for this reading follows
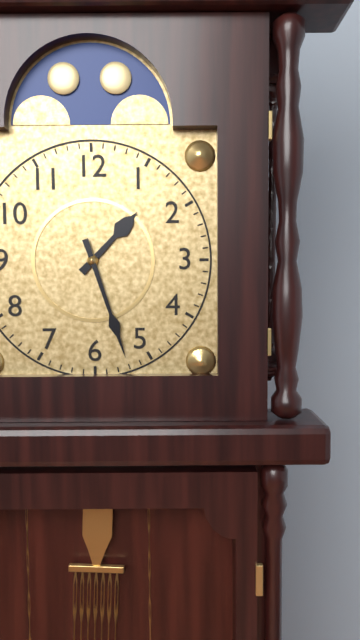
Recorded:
1.27
